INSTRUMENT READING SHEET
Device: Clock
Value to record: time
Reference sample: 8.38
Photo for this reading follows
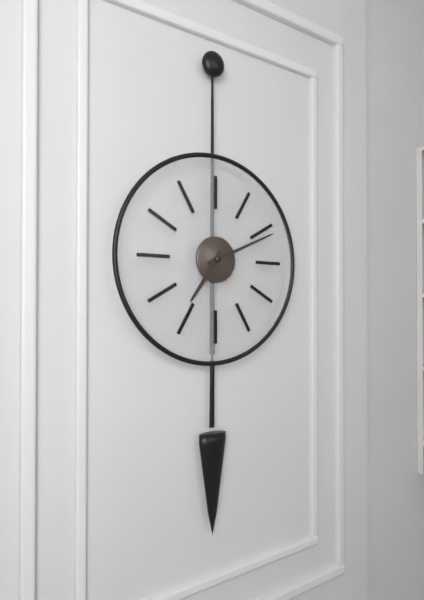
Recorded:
7.11
